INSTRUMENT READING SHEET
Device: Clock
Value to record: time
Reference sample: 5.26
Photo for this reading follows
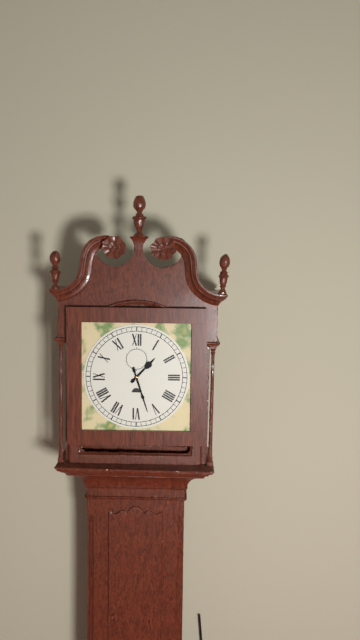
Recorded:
1.27
